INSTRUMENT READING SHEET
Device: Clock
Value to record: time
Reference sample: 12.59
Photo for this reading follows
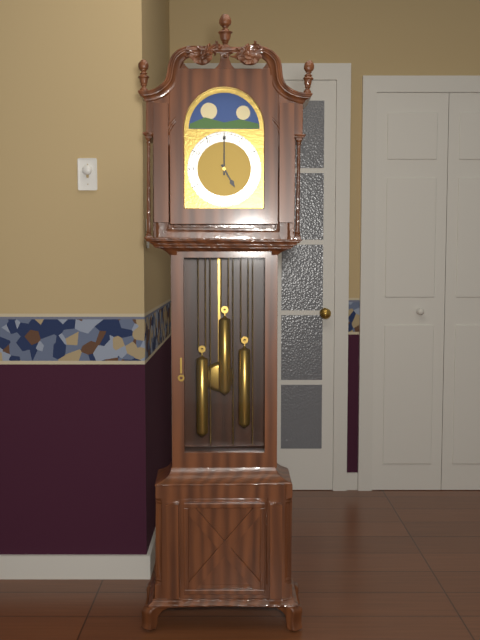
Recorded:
5.00
